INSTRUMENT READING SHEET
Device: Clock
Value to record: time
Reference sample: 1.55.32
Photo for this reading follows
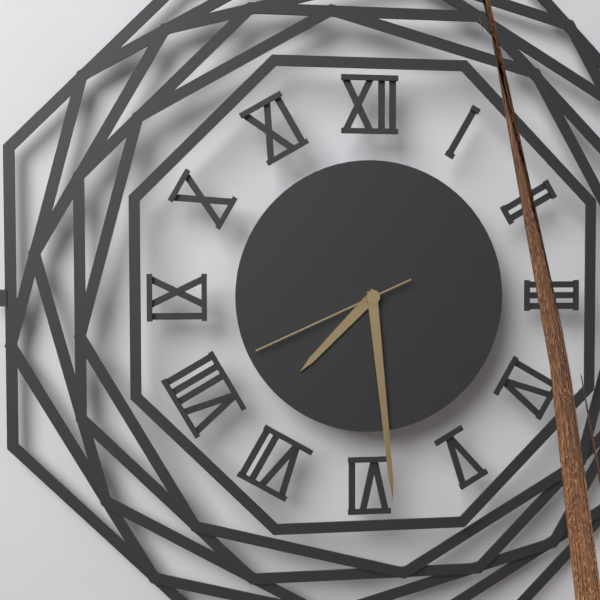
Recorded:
7.29.41
